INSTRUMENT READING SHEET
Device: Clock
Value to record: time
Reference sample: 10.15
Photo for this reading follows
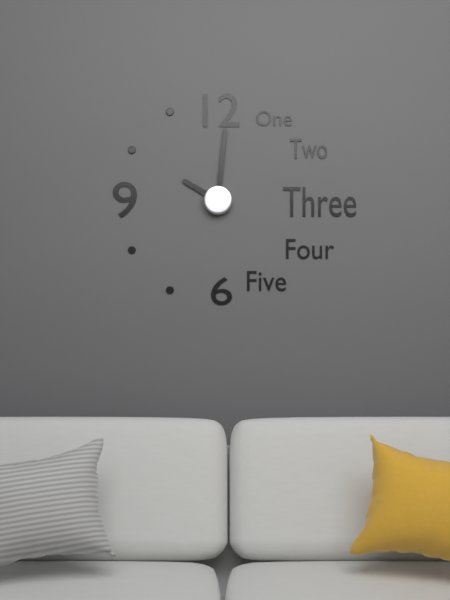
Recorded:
10.01
